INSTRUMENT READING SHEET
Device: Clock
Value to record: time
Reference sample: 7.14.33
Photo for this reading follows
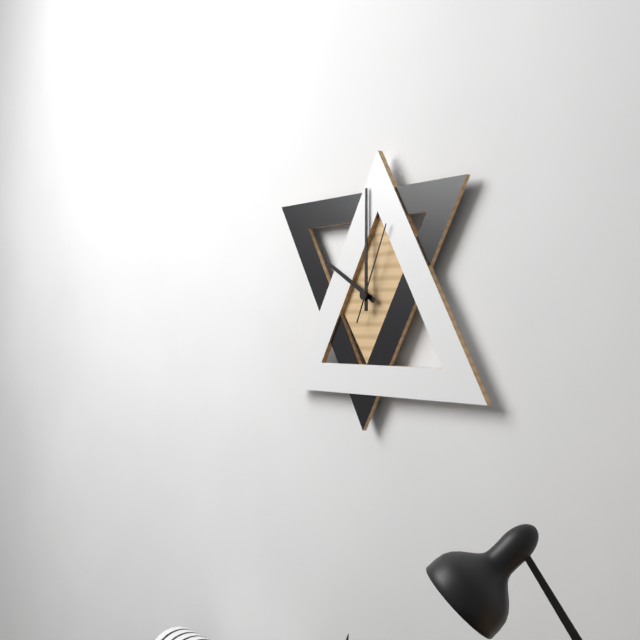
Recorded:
10.00.04
